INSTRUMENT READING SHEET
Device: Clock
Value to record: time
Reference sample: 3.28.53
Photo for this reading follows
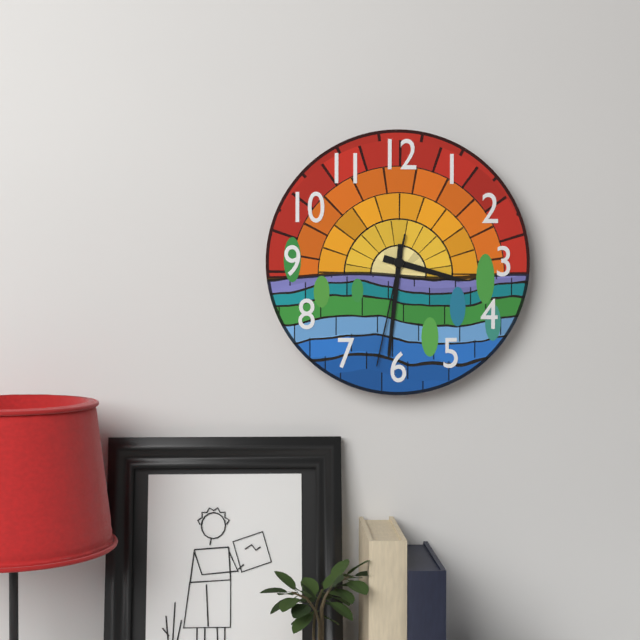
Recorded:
3.31.32
